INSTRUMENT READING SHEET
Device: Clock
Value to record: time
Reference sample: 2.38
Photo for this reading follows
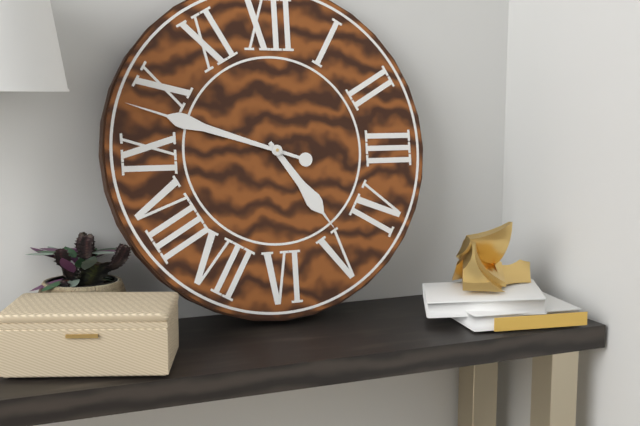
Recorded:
4.48
